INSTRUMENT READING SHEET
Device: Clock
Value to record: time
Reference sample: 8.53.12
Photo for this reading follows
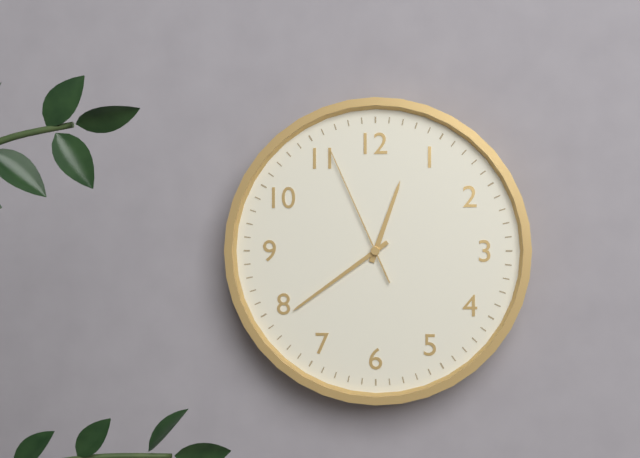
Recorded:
12.39.56
